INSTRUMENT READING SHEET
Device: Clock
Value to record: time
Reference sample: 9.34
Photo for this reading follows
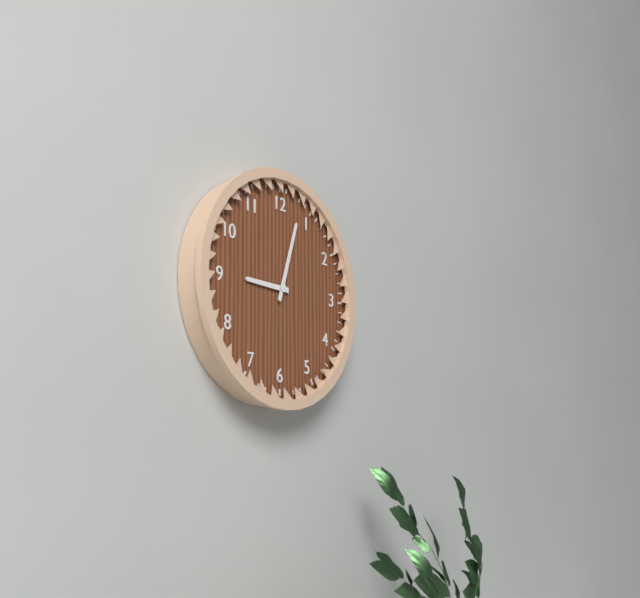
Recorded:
9.03
